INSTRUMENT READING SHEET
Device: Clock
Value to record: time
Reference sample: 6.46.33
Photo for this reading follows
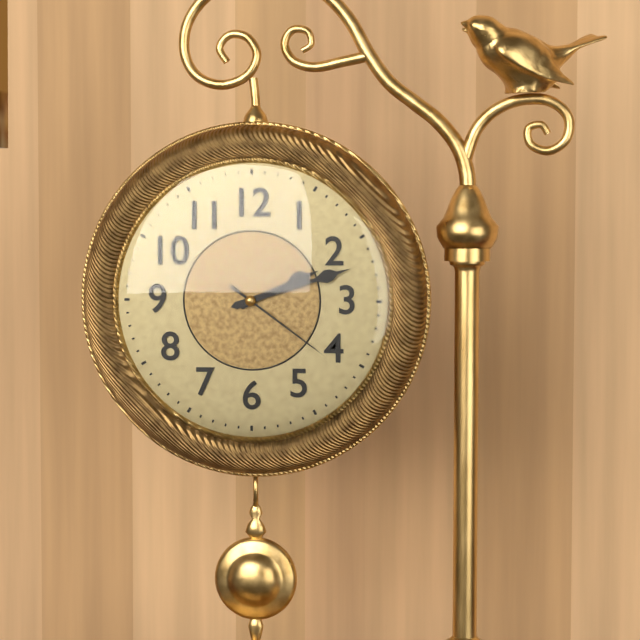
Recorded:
2.12.21
